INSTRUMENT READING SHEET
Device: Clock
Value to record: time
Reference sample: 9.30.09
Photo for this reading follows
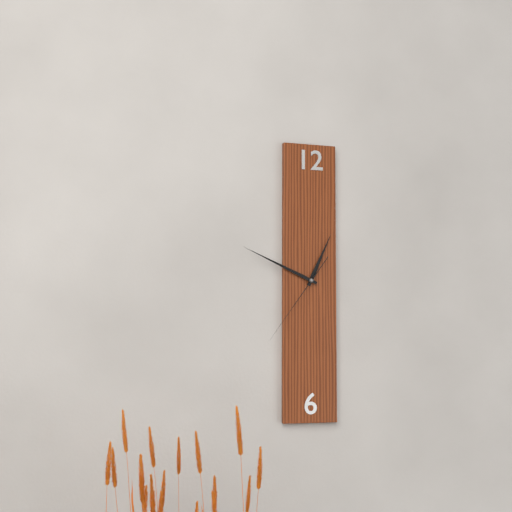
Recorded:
12.49.36
